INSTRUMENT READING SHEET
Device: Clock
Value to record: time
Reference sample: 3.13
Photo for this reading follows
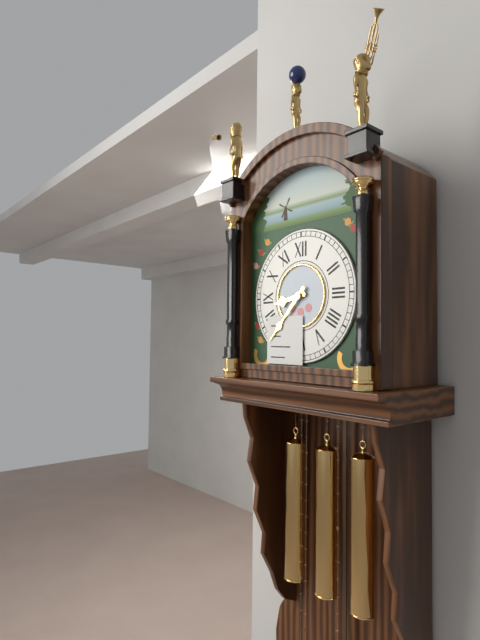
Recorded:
8.37
